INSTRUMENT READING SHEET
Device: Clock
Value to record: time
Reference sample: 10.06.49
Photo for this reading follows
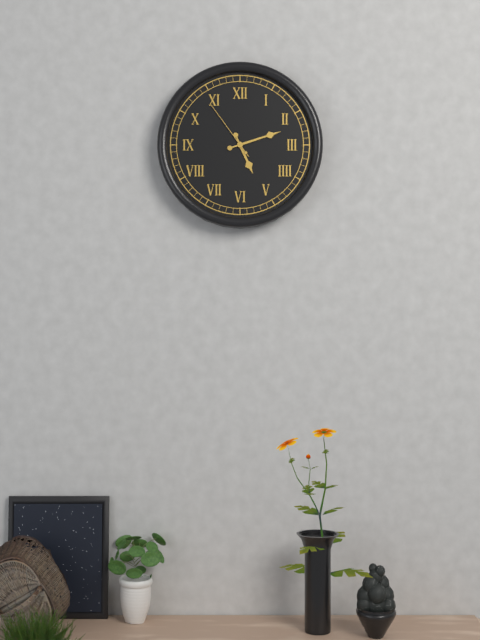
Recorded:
5.12.54
